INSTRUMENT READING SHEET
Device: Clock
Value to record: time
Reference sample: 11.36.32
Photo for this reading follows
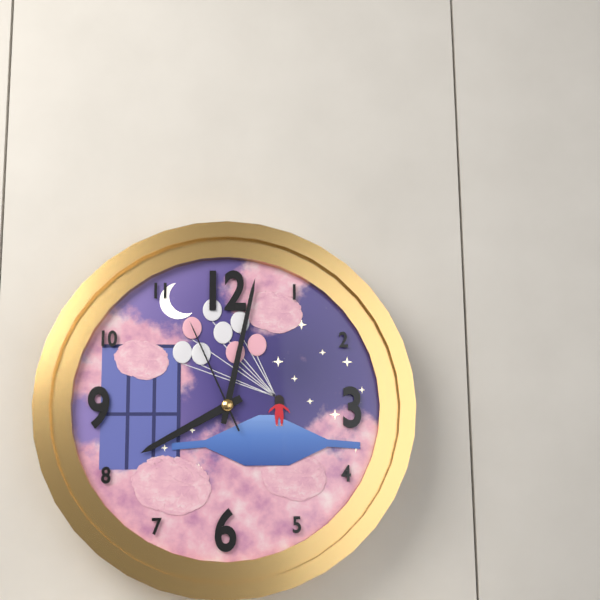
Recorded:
8.02.56
